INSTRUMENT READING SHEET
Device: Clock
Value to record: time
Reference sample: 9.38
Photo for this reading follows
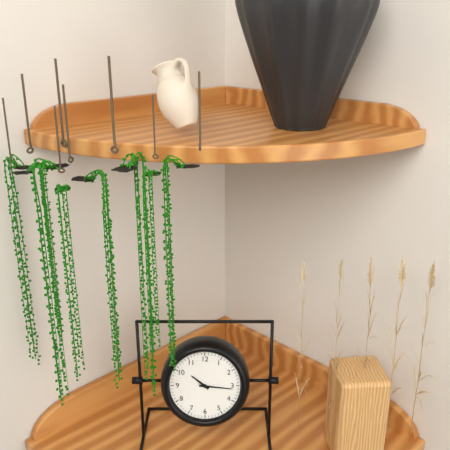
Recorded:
10.16
